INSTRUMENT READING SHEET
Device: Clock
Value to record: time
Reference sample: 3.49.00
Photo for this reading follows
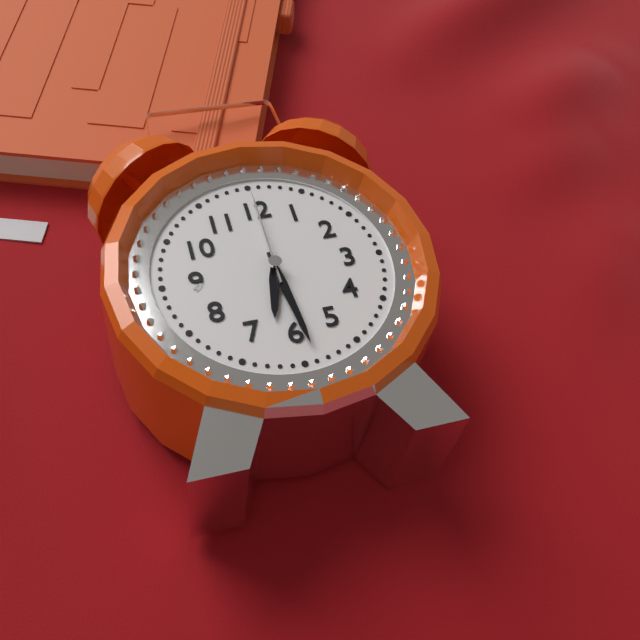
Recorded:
6.29.00
